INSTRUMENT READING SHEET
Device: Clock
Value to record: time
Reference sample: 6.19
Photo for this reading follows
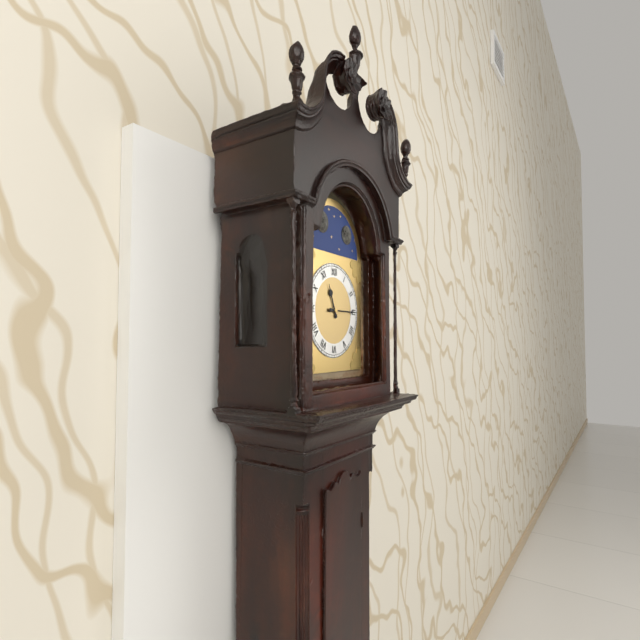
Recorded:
11.15
